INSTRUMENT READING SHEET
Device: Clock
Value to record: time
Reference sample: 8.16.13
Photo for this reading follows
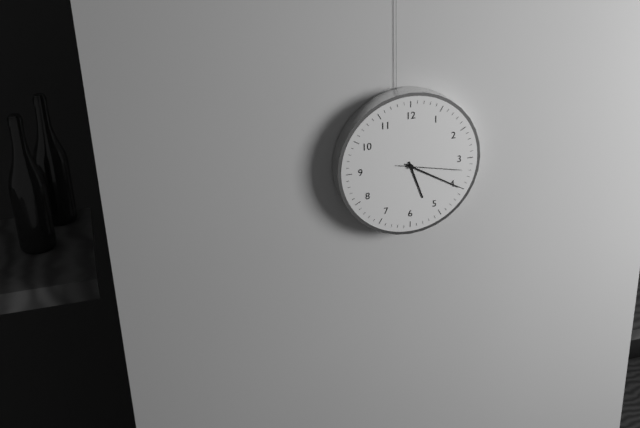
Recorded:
5.20.17
